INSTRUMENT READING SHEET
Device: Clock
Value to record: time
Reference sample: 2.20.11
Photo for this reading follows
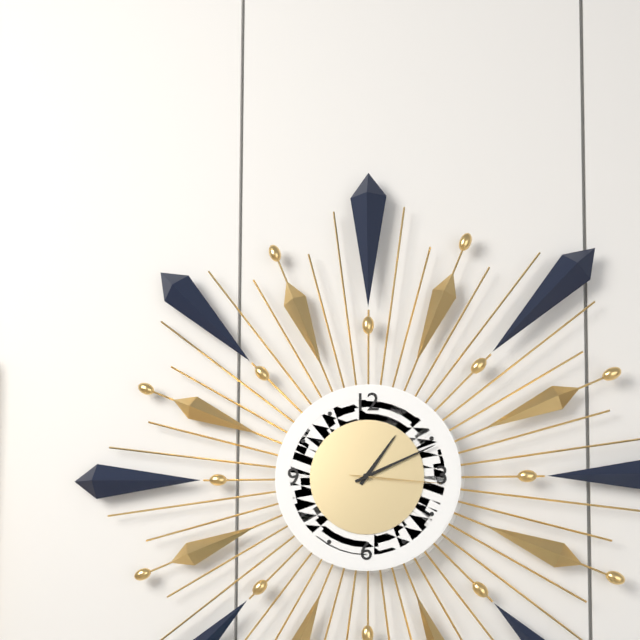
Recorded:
1.11.16
